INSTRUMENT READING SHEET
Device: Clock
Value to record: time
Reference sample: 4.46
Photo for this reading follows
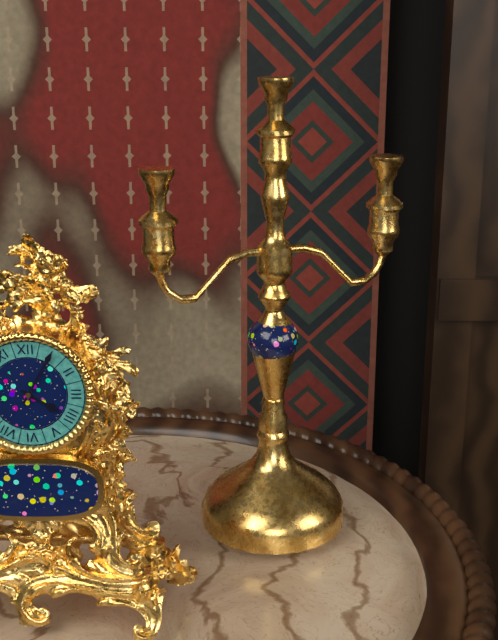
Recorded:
4.05
